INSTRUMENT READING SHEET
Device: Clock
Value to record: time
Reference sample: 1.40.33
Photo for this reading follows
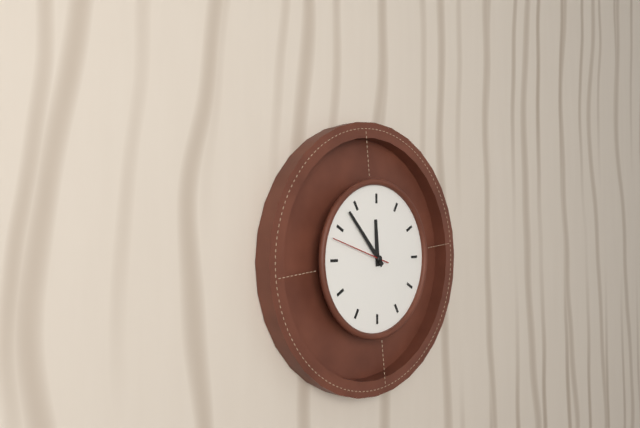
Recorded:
11.53.48
